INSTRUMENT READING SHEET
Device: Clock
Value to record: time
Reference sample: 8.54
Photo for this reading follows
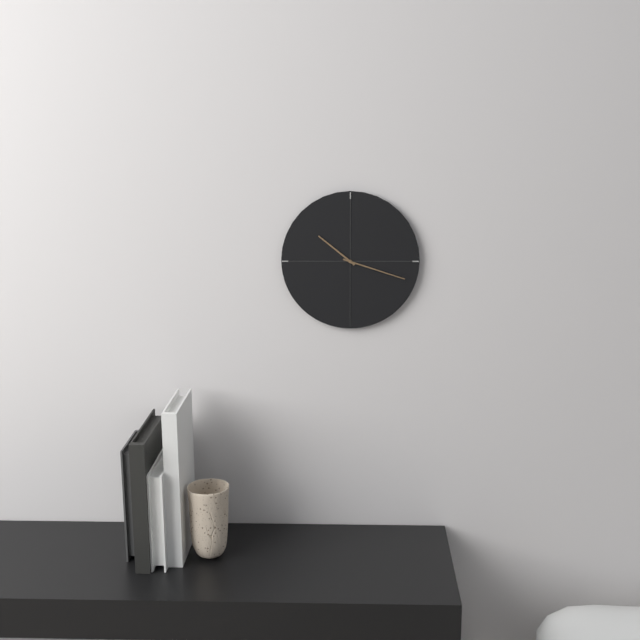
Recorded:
10.18
